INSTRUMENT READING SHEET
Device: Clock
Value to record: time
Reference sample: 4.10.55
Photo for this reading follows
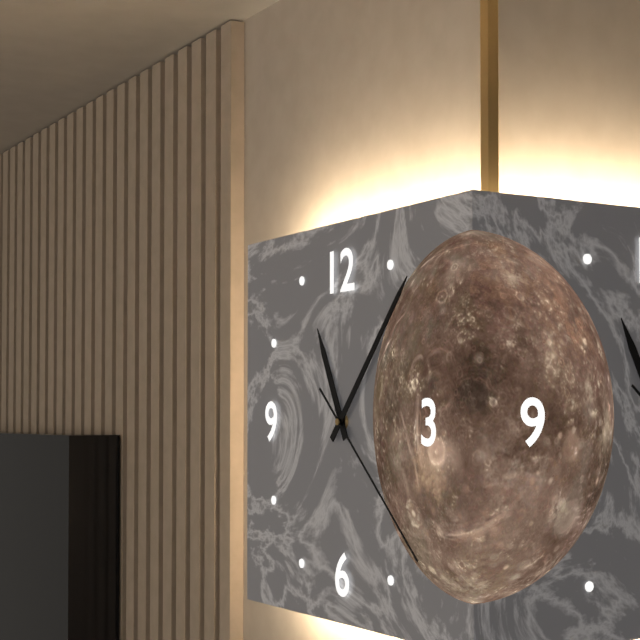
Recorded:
11.07.22
